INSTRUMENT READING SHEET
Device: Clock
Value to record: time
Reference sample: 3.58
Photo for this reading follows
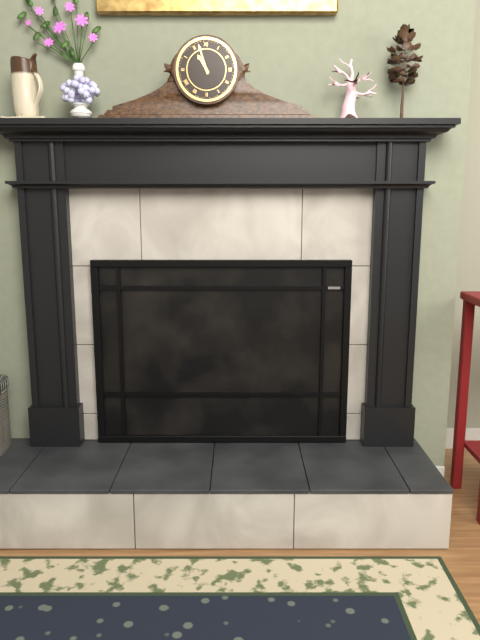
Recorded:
10.57
